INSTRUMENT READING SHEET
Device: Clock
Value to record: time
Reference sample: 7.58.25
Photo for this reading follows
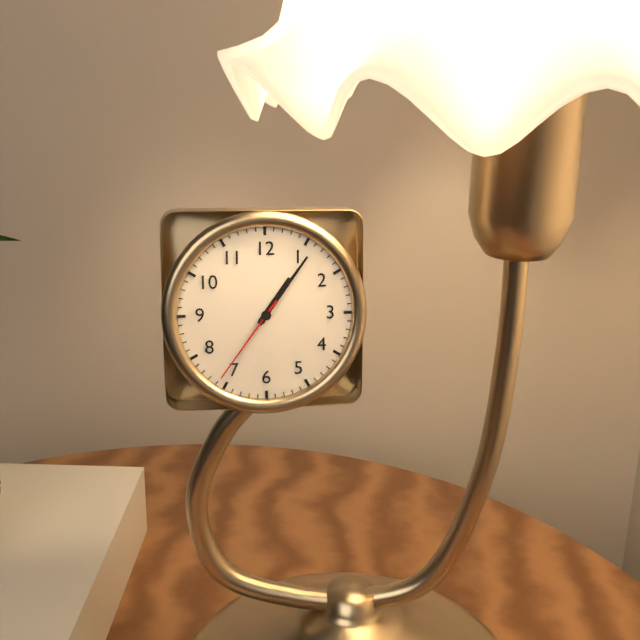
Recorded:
1.06.36
